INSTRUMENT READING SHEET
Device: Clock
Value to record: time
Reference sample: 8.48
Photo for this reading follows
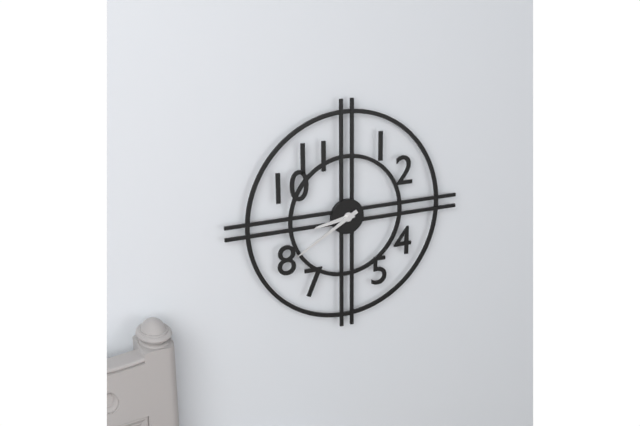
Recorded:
8.40
